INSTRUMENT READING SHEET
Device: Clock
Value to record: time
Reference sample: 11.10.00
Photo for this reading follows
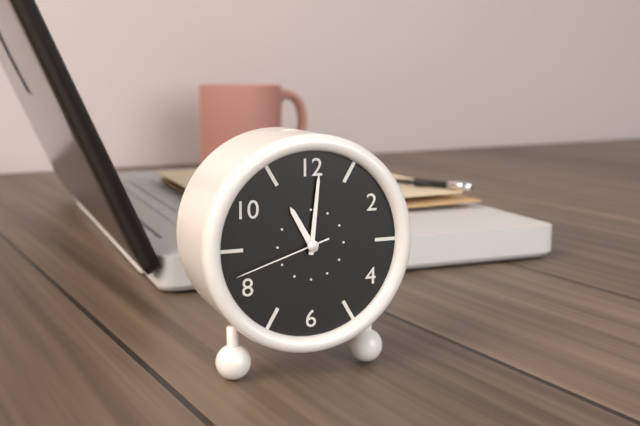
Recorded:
11.01.42
